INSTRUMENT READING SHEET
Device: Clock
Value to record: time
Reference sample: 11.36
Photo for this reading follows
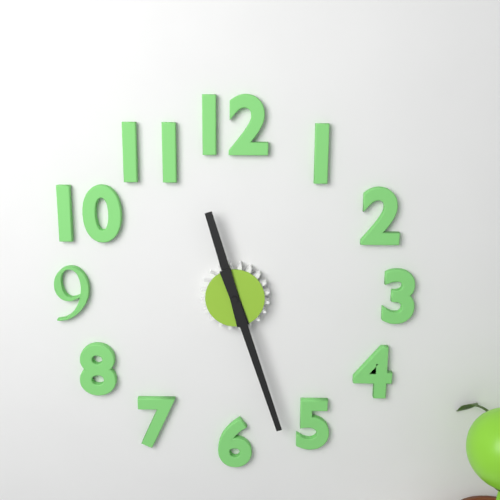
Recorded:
11.27
